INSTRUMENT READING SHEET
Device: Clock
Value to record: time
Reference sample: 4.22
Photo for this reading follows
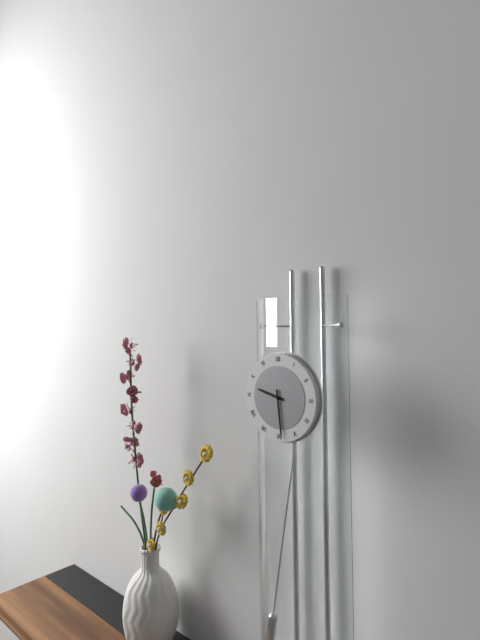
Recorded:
9.29
